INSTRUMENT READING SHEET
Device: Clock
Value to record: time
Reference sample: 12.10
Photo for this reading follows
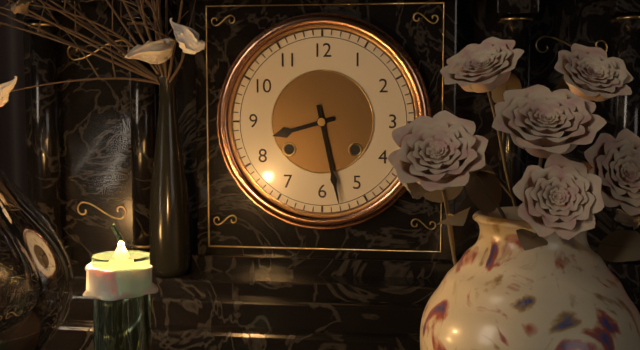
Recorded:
8.28
